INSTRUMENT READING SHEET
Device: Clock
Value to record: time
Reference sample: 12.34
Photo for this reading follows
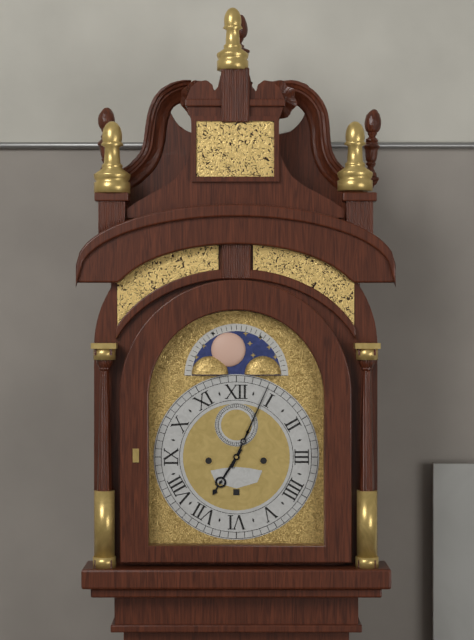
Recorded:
7.04
